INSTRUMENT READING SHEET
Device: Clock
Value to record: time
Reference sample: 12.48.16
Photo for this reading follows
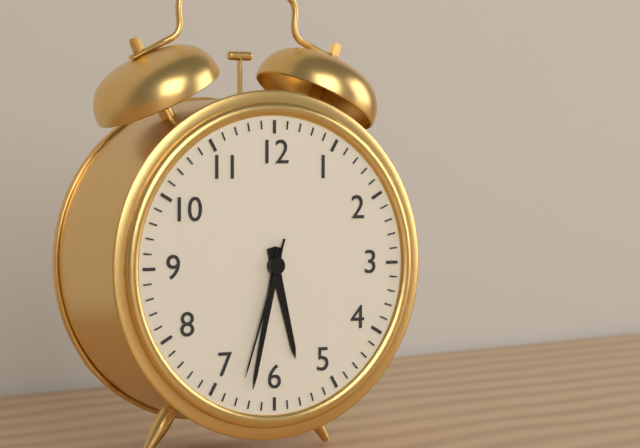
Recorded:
5.32.33
